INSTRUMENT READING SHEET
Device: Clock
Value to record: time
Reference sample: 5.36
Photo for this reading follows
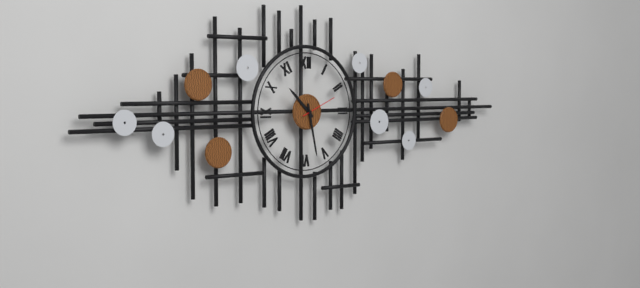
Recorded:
10.28
